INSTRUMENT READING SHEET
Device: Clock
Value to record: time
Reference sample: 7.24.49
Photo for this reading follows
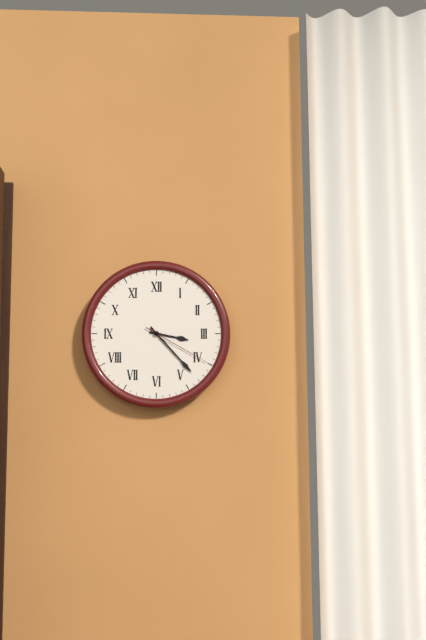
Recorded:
3.23.20
